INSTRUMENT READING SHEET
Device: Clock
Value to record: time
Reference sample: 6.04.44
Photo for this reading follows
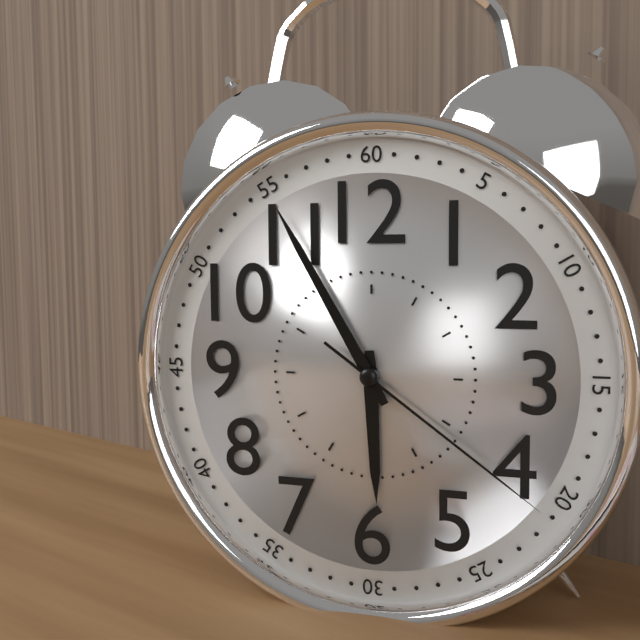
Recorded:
5.55.21
